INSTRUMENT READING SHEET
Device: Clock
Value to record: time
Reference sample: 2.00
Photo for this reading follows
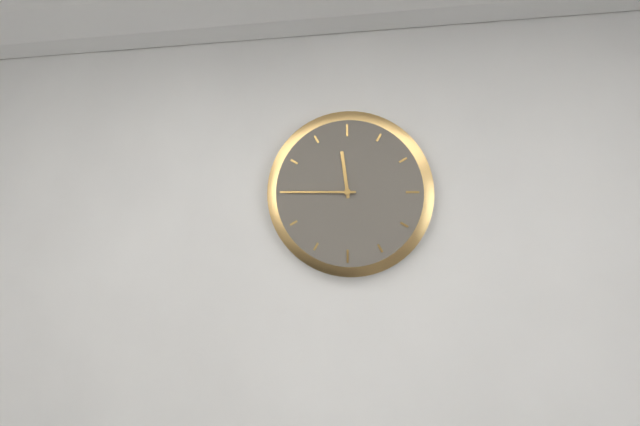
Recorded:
11.45
